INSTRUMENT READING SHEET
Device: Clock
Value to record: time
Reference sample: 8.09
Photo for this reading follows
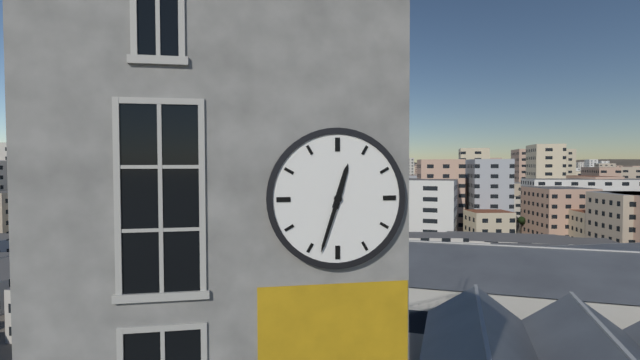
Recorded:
12.33
